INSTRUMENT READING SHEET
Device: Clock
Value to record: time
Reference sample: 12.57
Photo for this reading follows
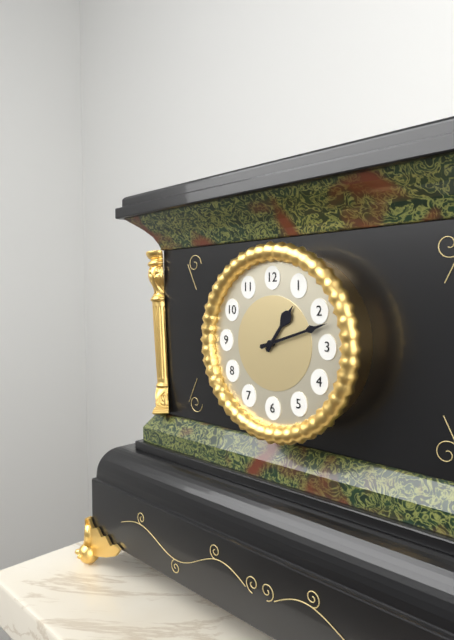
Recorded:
1.12
